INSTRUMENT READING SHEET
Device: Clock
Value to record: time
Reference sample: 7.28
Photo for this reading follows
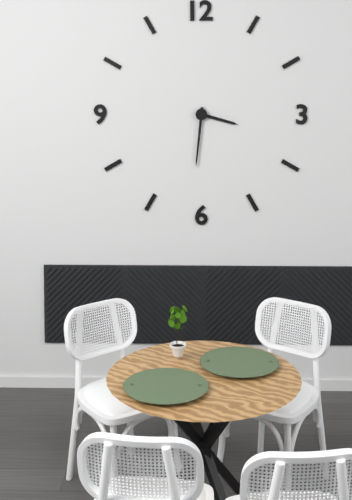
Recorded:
3.31
